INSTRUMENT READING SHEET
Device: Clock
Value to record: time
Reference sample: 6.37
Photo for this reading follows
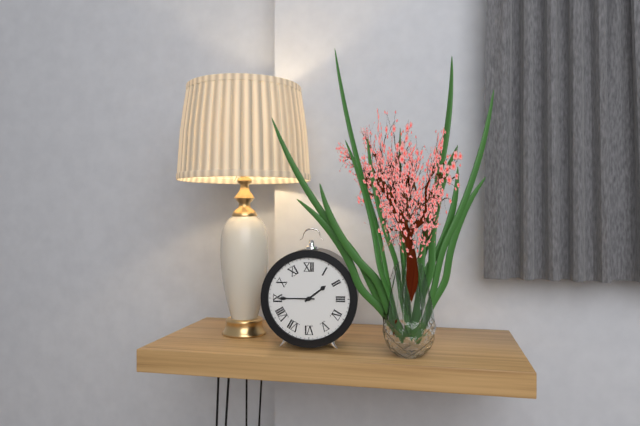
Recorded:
1.45
